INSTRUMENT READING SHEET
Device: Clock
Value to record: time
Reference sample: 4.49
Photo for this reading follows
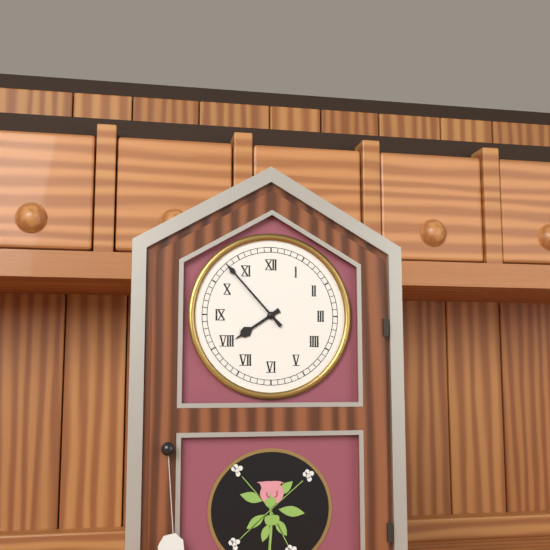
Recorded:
7.53
